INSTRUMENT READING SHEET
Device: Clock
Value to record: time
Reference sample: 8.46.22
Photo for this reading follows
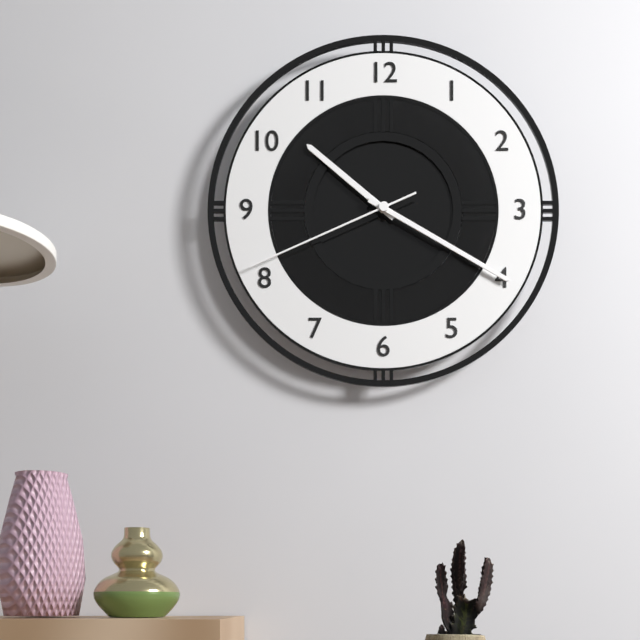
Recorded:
10.20.41
